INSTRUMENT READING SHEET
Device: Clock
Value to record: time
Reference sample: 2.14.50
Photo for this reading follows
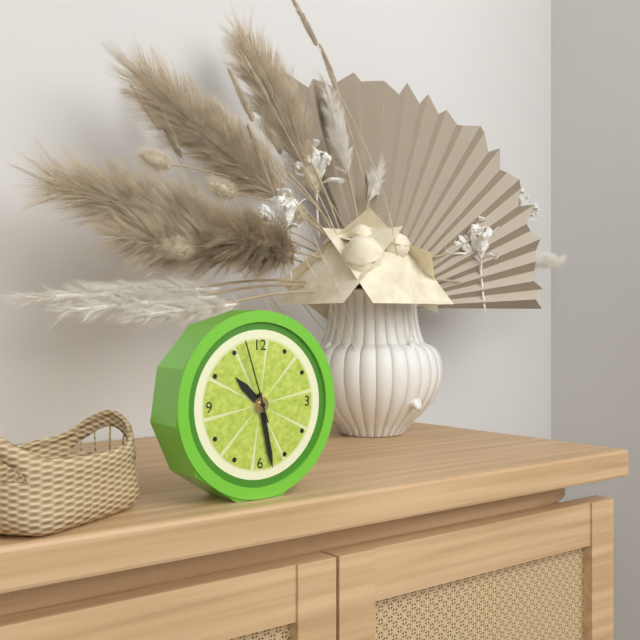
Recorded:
10.28.57
